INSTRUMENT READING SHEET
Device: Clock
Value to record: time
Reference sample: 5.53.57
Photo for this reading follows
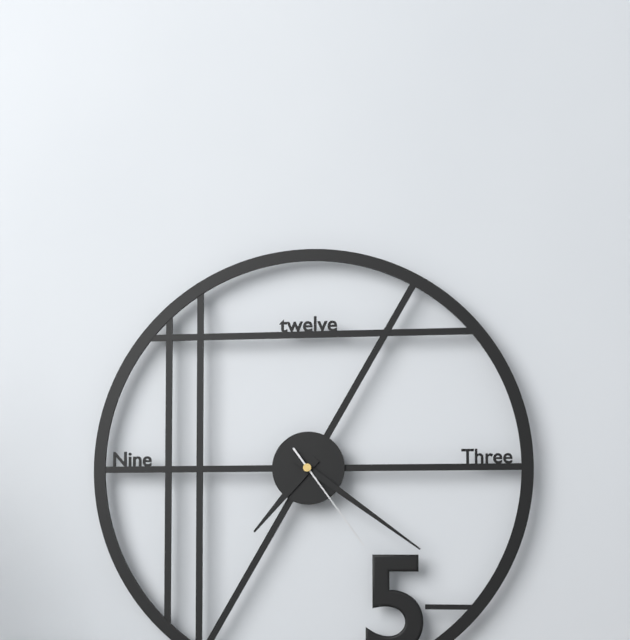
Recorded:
7.21.24
